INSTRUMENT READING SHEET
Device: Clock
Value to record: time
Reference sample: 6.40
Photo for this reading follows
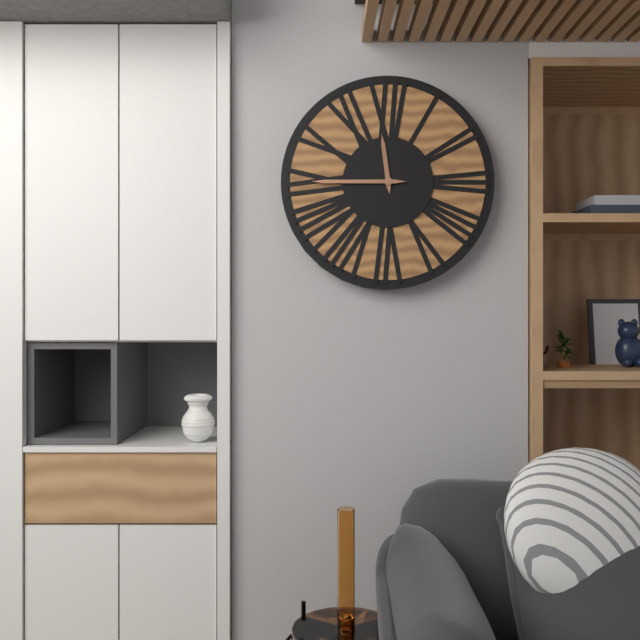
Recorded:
11.45
